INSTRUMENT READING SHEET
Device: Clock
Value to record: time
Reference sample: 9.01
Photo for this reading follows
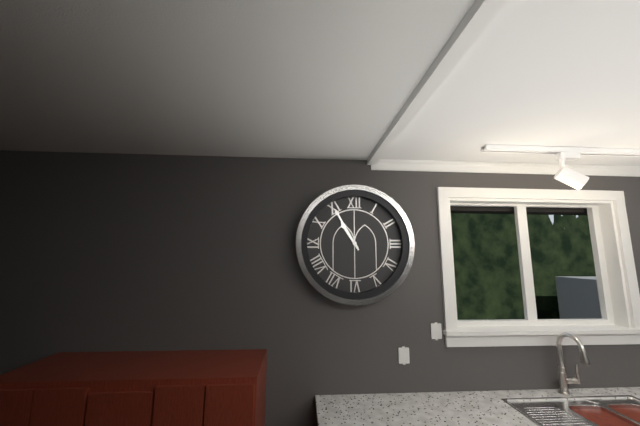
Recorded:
10.55
